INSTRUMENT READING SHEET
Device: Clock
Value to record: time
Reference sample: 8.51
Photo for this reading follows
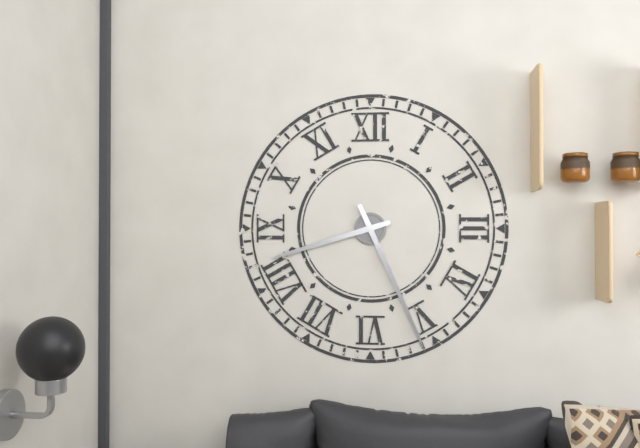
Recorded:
8.26
